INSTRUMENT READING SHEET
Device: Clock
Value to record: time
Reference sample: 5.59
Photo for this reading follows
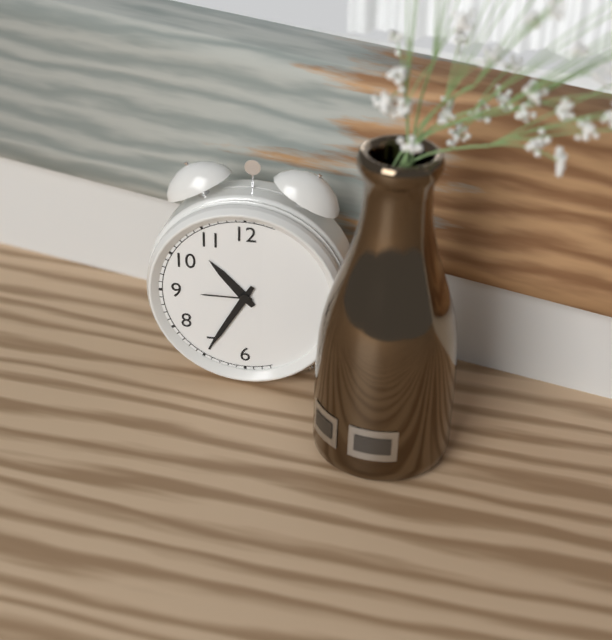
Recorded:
10.35
